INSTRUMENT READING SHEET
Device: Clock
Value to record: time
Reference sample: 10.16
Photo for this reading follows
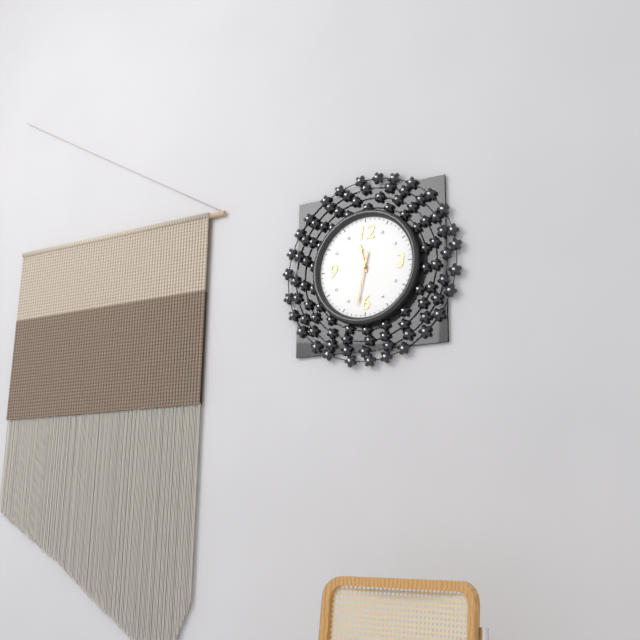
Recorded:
11.32
